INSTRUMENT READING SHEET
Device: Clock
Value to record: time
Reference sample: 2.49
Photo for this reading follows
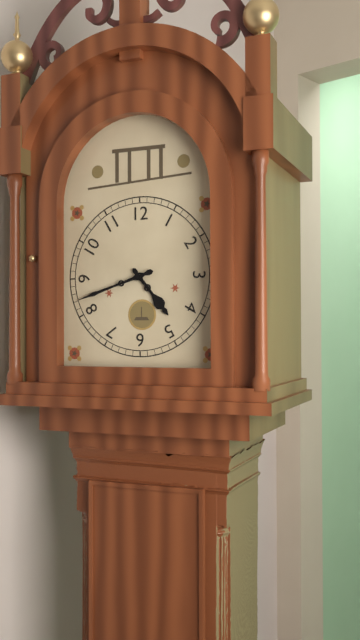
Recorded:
4.42
